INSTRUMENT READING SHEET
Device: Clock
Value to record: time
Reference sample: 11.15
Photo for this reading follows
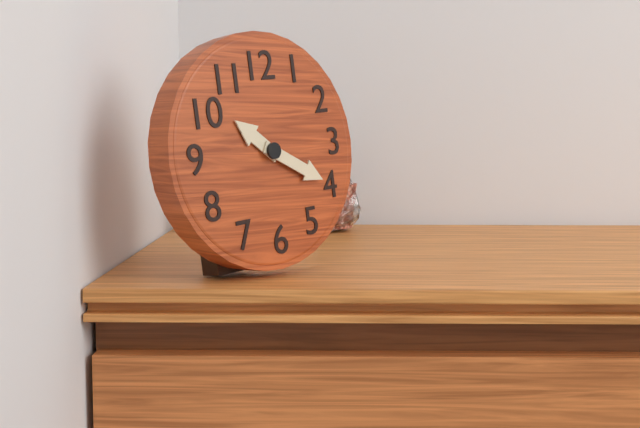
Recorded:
10.20
